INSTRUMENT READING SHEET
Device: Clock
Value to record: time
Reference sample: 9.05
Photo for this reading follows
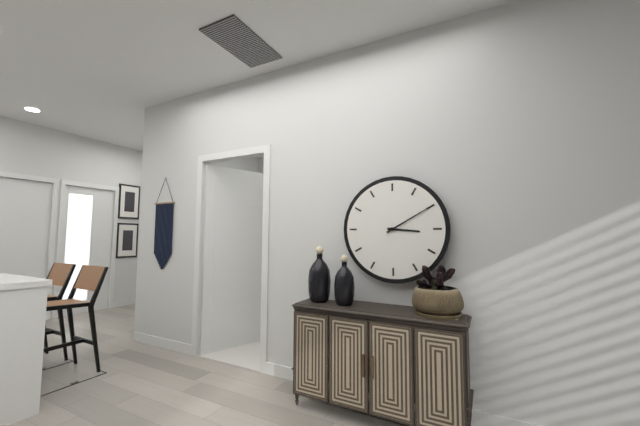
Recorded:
3.10
